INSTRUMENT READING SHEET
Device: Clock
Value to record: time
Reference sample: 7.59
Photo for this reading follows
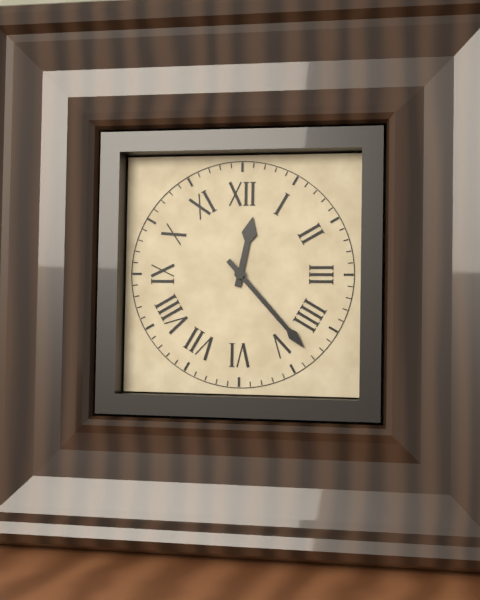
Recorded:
12.23
